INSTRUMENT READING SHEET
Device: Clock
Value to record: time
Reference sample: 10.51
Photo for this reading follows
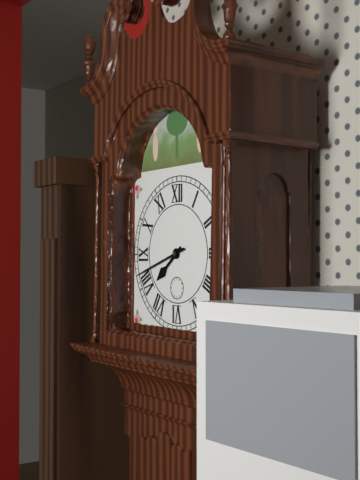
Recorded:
7.42
